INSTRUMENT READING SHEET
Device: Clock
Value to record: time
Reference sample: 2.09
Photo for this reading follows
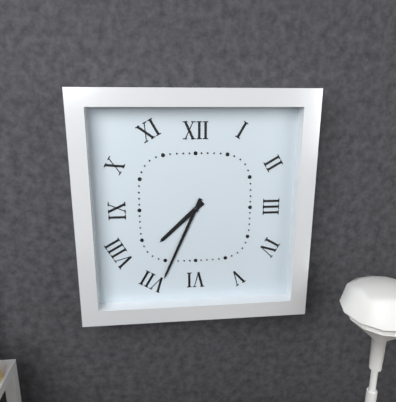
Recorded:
7.34
